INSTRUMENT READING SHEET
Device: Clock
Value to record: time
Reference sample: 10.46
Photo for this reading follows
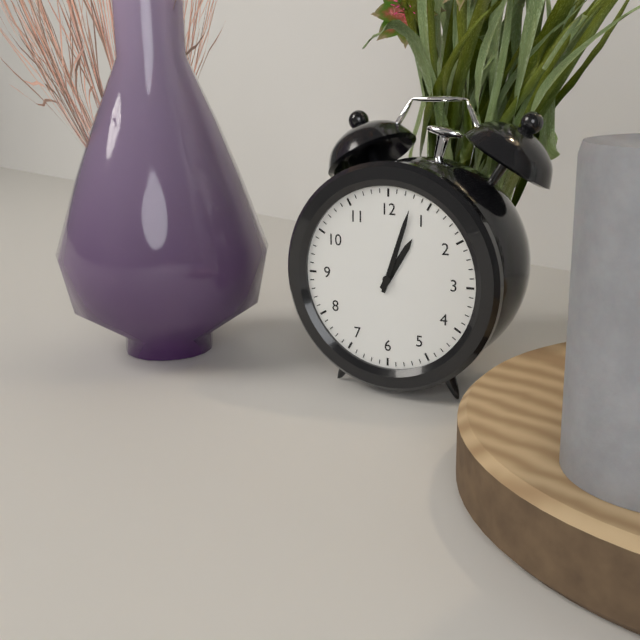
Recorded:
1.03
